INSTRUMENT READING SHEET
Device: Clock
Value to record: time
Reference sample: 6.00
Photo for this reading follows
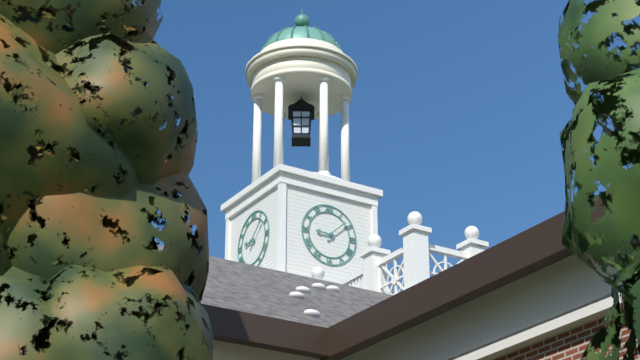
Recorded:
9.08
